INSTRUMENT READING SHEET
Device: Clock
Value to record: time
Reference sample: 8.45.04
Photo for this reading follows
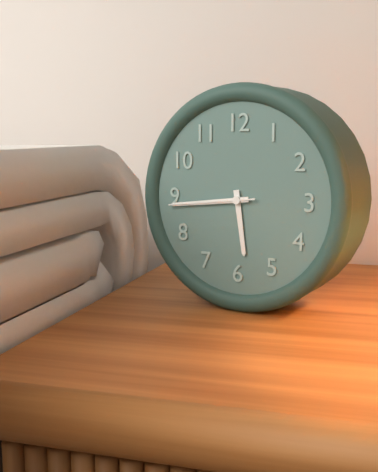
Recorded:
5.44.44
